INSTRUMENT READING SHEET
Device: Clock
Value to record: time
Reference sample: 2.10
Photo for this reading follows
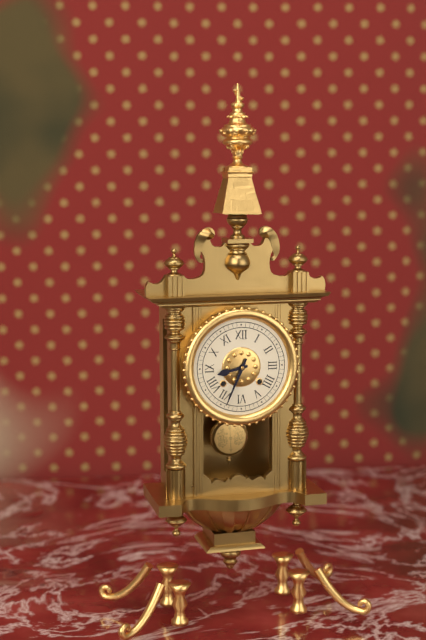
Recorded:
8.34
